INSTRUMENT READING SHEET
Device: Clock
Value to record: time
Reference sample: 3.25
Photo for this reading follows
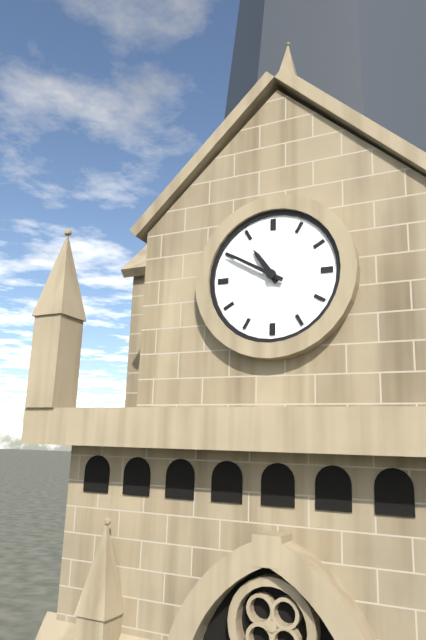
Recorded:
10.50
